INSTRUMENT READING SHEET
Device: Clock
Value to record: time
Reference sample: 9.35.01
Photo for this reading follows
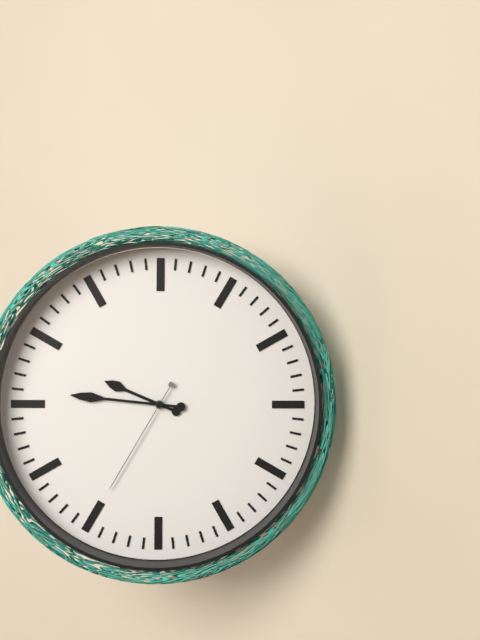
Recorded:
9.46.35
